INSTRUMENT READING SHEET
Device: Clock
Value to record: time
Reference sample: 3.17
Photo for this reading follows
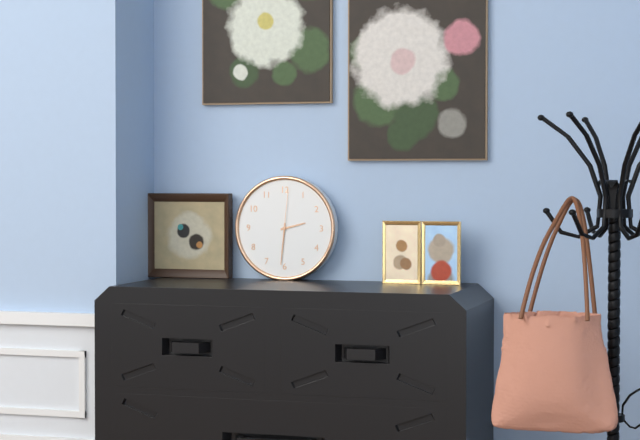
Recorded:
2.31
